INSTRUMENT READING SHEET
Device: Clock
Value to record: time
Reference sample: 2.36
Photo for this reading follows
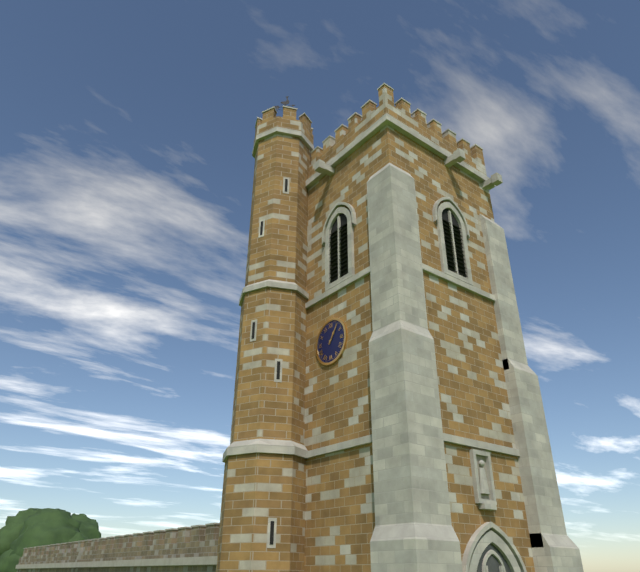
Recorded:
1.06
